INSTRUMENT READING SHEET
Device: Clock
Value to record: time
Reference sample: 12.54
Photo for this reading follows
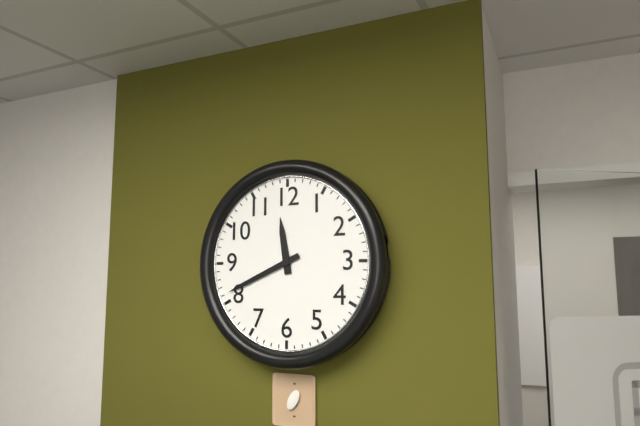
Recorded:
11.41
